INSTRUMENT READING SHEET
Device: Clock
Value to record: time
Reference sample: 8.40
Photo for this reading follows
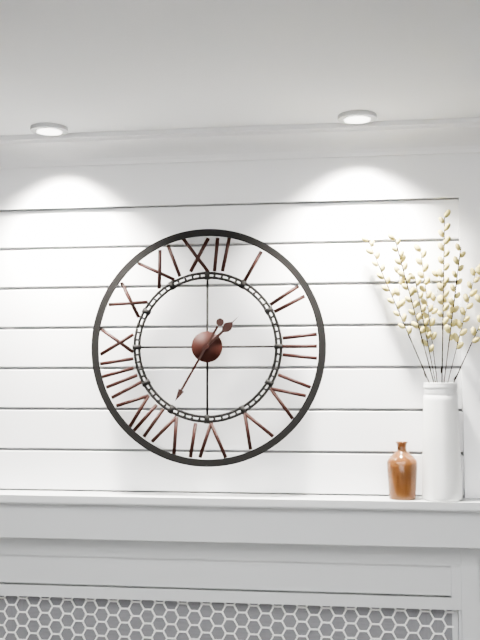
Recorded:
1.35
